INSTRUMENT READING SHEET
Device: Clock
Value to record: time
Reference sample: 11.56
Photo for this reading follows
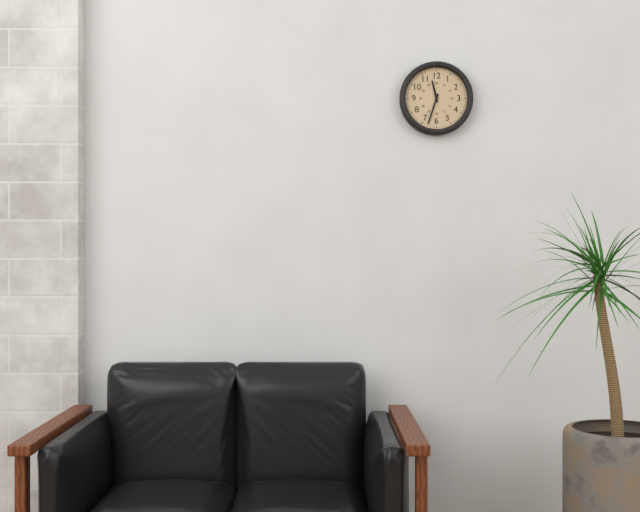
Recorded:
11.33
